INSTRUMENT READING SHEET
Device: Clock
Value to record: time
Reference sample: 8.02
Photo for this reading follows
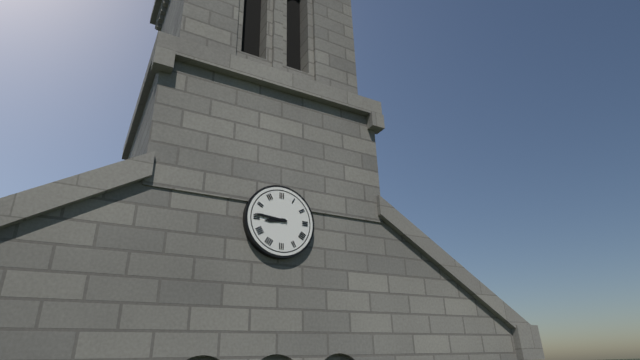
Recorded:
8.46
